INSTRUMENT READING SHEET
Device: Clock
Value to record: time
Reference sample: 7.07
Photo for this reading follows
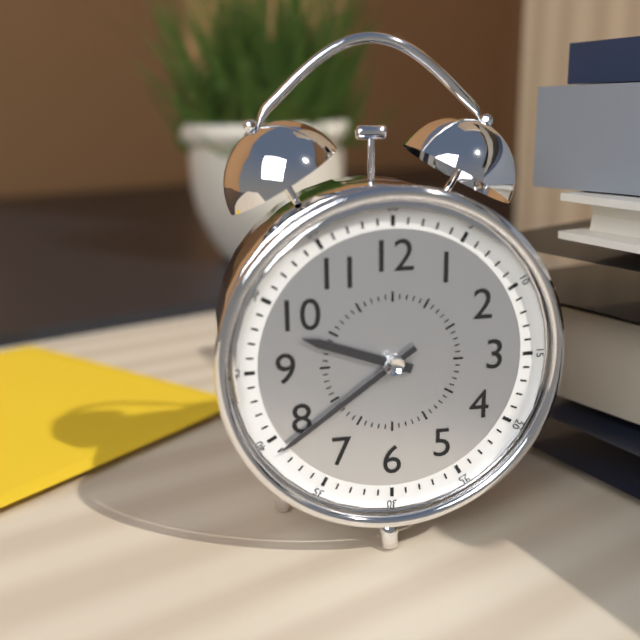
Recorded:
9.39
